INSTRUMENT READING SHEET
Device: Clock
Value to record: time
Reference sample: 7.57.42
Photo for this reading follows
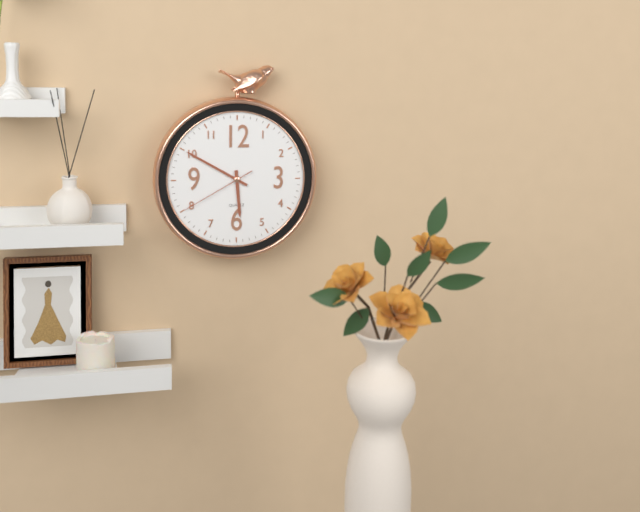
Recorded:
5.50.40
